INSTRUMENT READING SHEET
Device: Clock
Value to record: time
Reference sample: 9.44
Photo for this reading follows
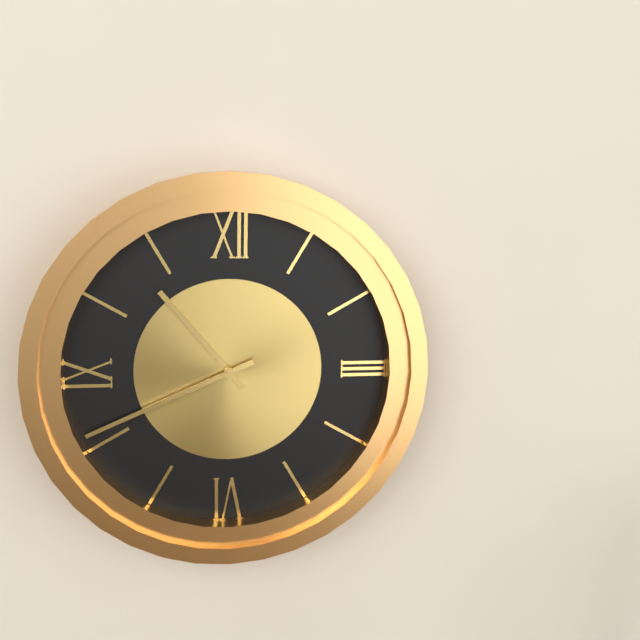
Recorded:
10.41
